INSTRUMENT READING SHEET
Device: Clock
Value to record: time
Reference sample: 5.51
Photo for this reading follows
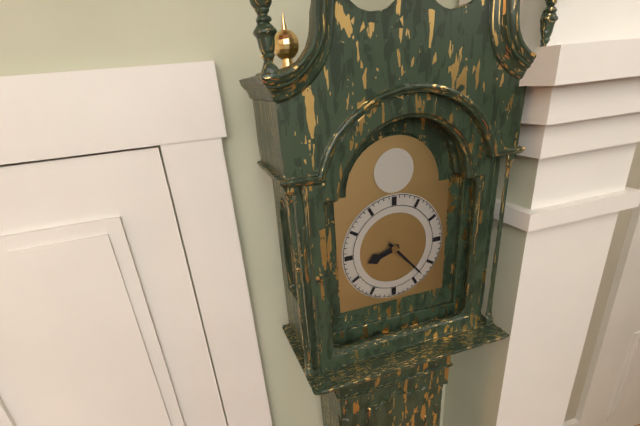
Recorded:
8.23
